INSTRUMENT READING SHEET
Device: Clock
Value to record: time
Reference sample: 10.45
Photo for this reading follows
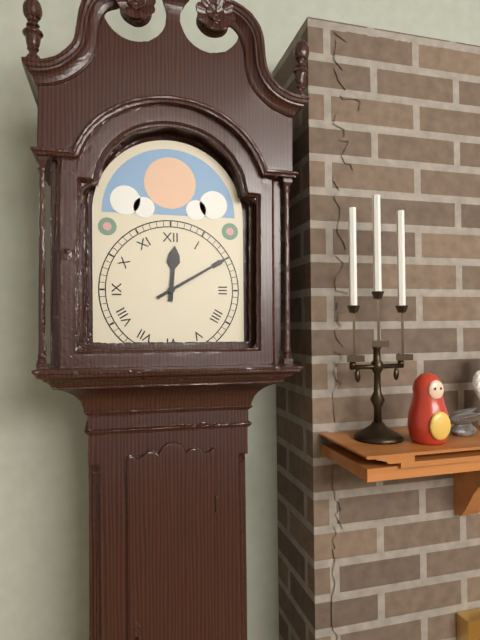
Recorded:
12.10
